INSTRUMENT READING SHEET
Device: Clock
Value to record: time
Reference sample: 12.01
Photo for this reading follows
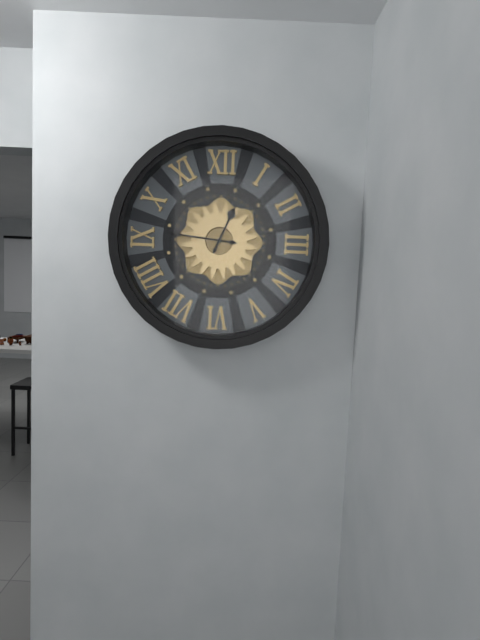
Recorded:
12.46
